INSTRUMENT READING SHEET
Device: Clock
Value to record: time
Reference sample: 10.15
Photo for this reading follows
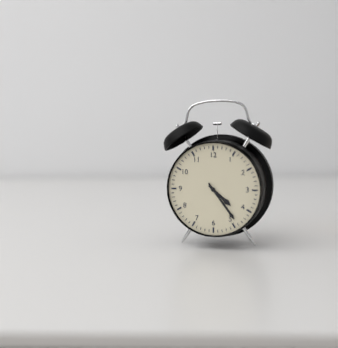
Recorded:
4.24
